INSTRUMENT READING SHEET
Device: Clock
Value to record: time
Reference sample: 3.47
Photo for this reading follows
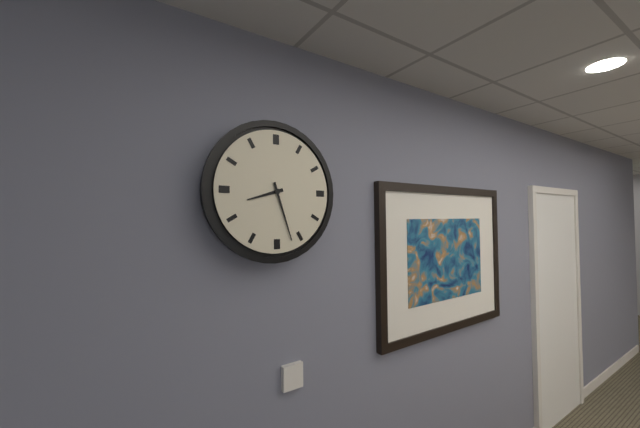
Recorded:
8.27
